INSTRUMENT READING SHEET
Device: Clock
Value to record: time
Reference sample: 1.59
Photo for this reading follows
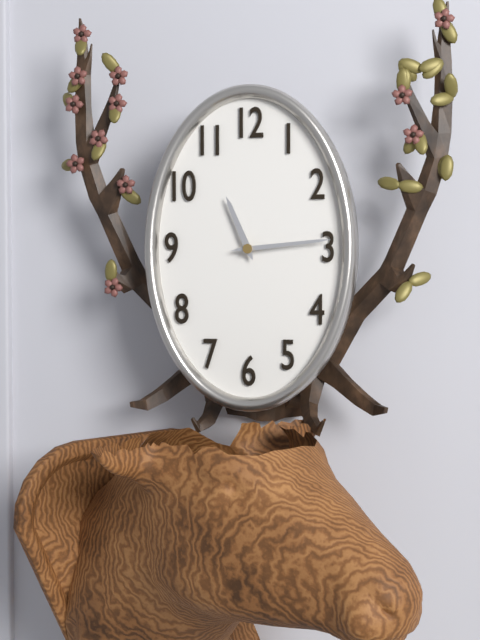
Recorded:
11.14
